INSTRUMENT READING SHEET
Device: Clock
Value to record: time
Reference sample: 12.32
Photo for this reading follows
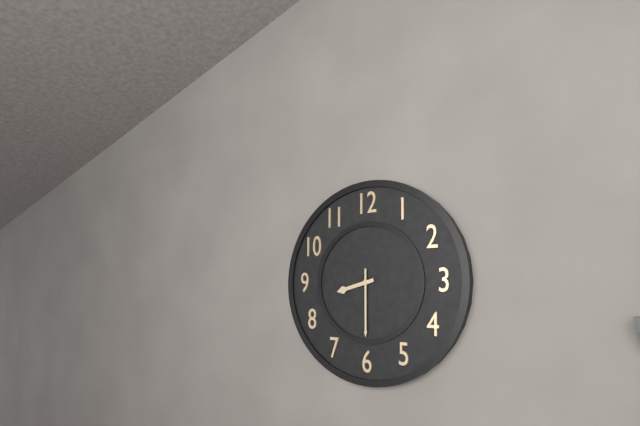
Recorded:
8.30
